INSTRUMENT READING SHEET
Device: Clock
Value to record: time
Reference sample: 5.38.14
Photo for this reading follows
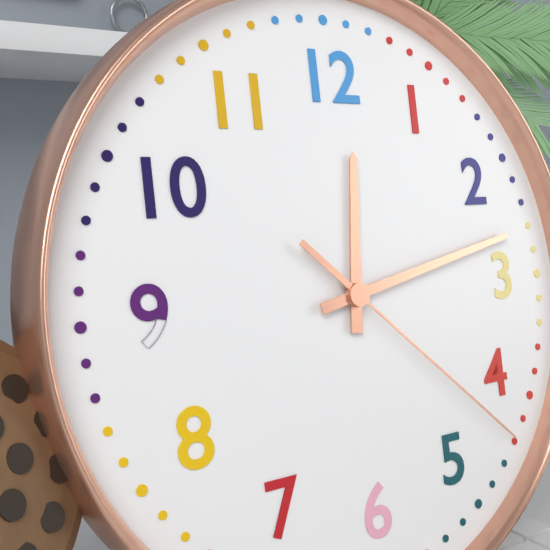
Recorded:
12.13.22
